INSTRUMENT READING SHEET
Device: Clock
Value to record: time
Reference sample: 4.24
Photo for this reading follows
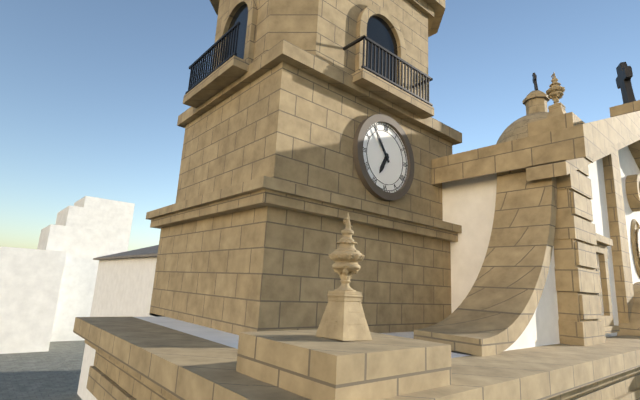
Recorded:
6.54
